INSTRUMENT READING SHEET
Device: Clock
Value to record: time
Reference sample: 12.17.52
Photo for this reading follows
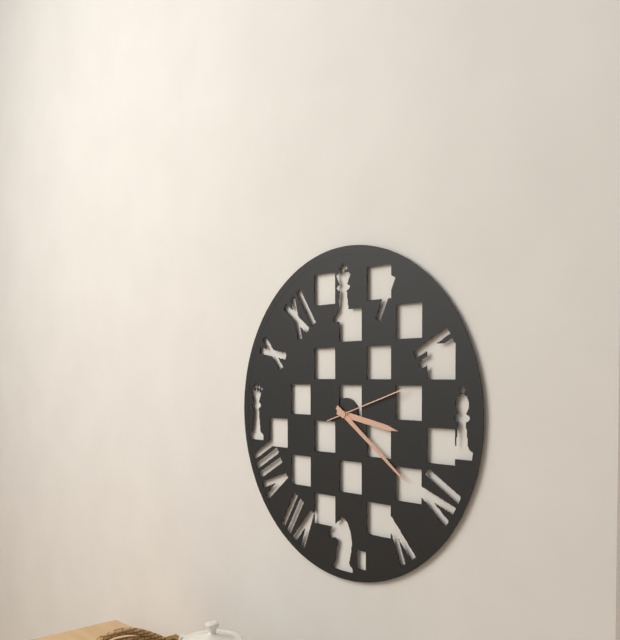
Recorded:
3.21.12
